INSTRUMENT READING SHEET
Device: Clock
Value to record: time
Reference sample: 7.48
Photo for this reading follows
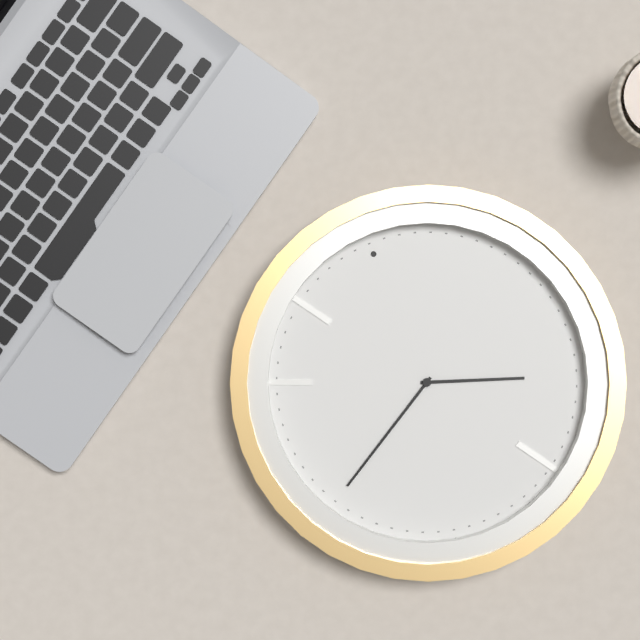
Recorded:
3.40
